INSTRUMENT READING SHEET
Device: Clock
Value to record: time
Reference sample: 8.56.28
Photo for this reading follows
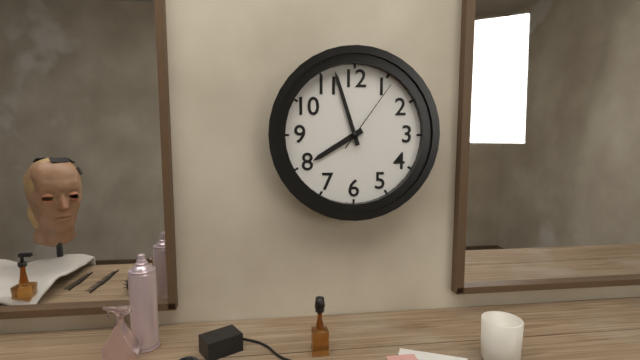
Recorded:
7.57.06
